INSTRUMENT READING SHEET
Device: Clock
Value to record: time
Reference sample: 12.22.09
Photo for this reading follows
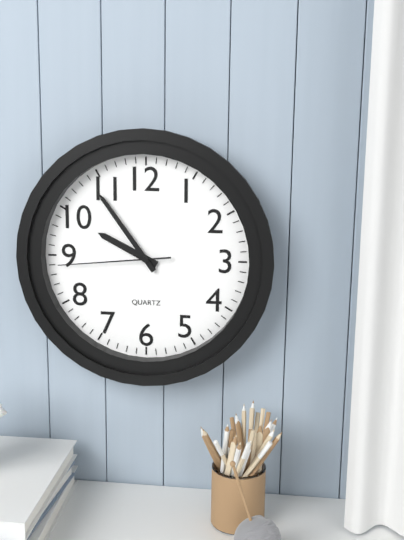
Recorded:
9.54.44
